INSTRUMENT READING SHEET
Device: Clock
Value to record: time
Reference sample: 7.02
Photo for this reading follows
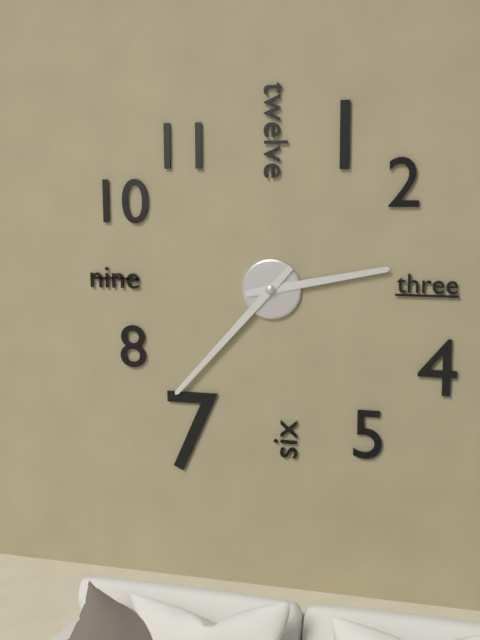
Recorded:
2.37
